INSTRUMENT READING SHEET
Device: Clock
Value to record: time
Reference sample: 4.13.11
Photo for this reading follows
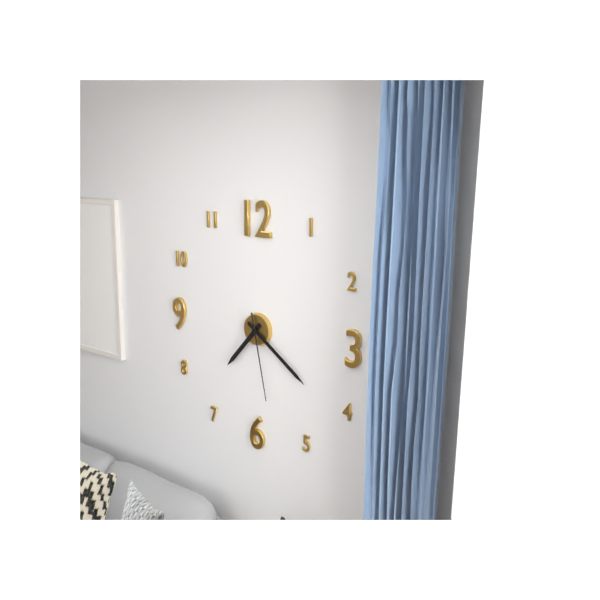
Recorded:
7.21.28
